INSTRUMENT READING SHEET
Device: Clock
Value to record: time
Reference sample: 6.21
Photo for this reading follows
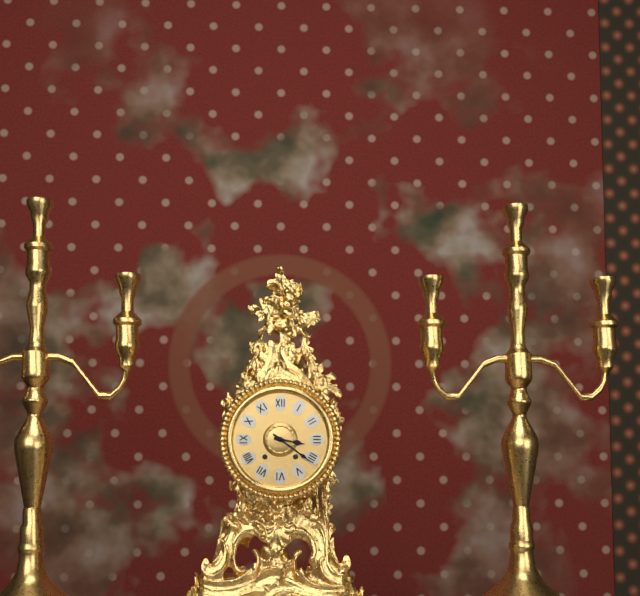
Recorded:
3.21
